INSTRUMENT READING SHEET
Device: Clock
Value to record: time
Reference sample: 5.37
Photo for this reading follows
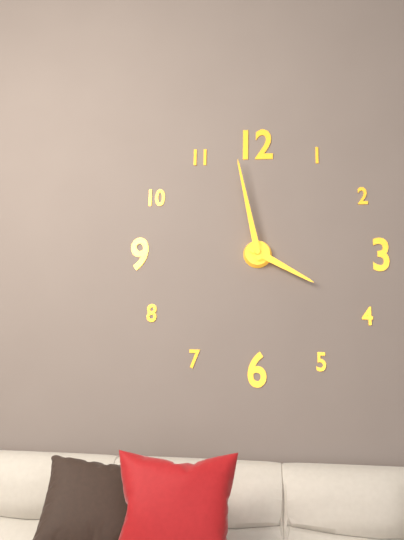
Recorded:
3.58
